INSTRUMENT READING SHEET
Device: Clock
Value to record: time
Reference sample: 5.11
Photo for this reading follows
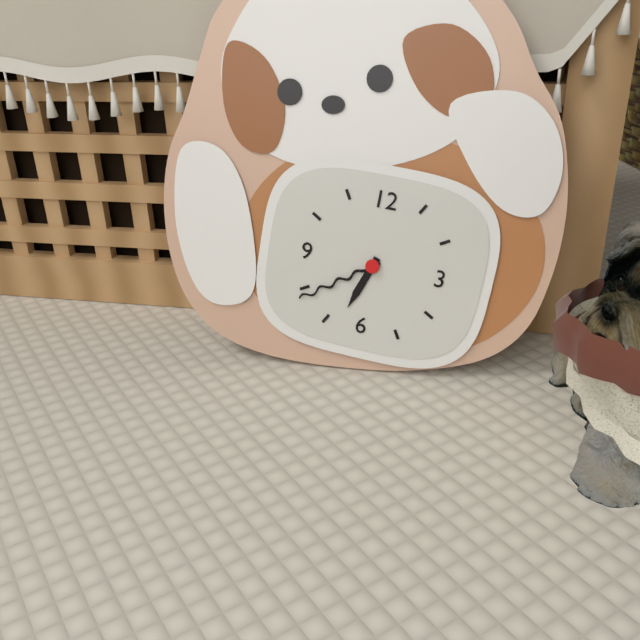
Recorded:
6.39
